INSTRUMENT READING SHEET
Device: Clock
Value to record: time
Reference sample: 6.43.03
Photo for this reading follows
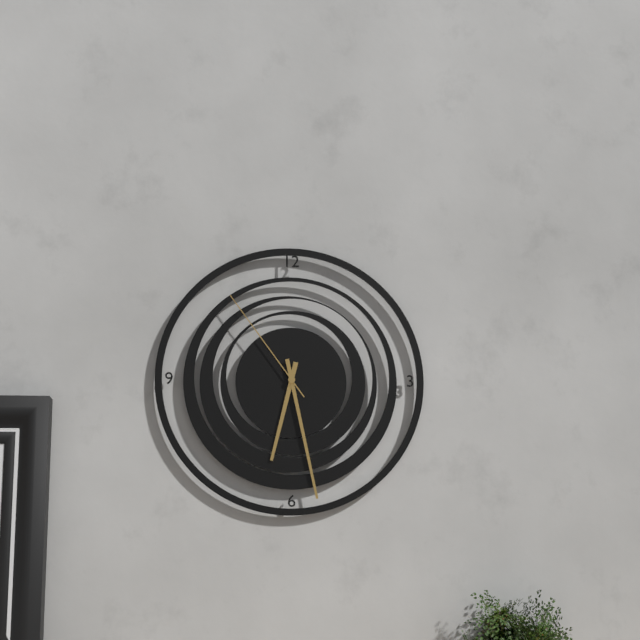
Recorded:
6.28.54
